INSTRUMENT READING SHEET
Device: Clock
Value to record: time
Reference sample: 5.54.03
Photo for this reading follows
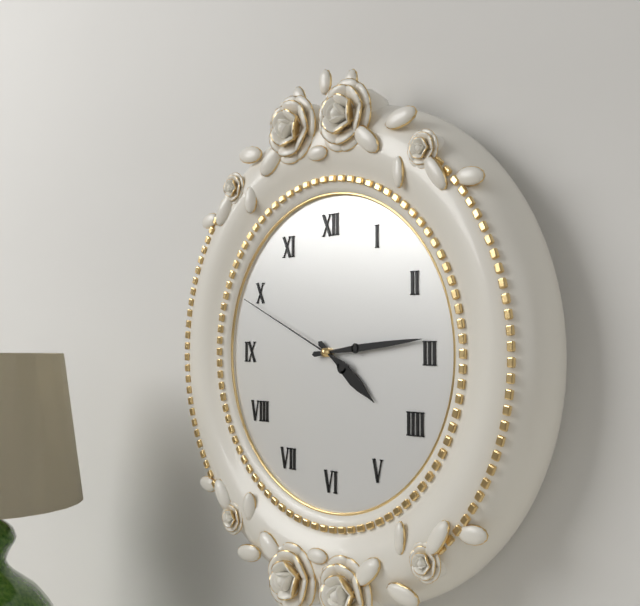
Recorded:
4.14.49
